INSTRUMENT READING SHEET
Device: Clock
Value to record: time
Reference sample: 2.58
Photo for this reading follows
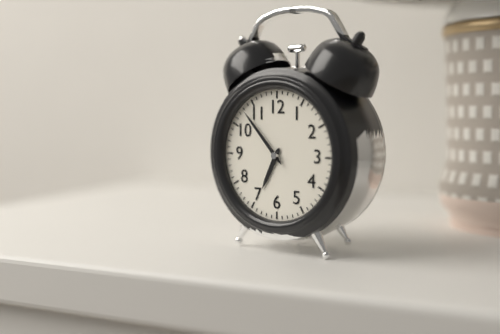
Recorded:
6.53
